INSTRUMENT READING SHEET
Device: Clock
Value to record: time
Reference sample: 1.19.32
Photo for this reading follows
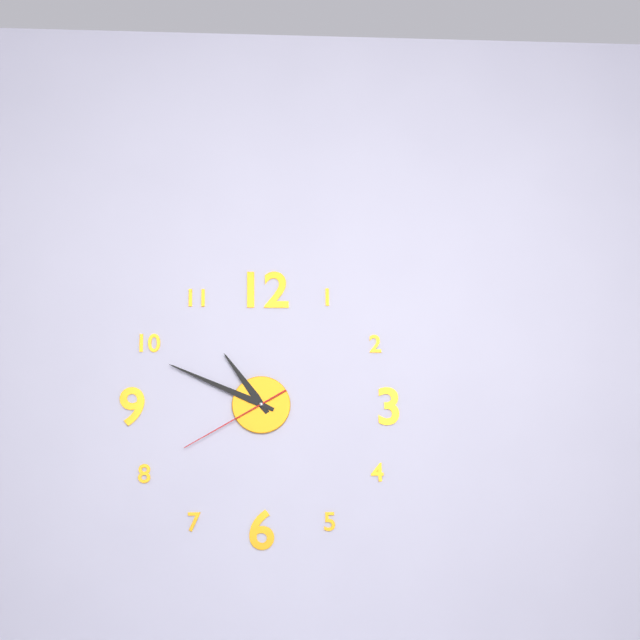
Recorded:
10.49.40
